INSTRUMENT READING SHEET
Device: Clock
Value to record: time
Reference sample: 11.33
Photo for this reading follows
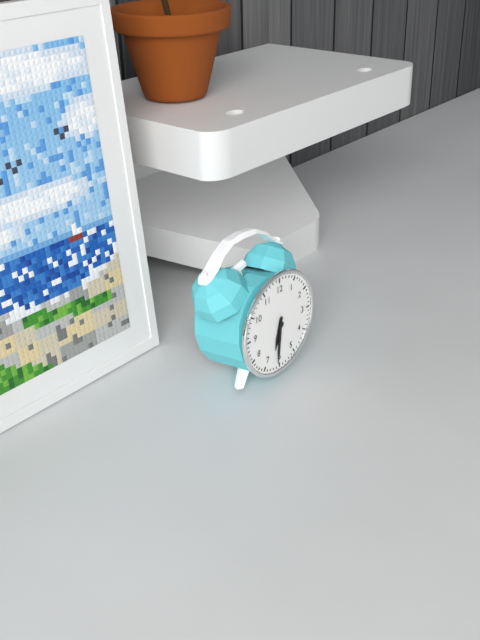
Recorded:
6.31
